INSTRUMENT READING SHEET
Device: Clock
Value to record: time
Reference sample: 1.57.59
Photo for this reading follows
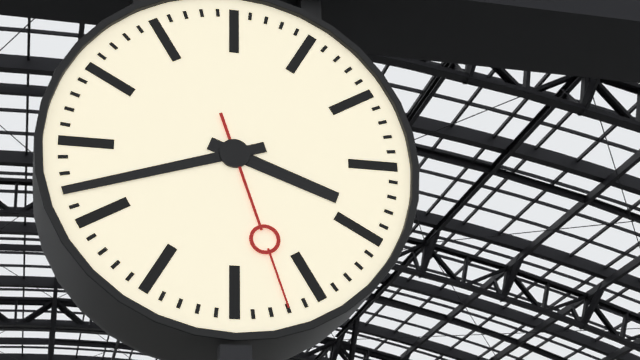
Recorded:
3.42.27
